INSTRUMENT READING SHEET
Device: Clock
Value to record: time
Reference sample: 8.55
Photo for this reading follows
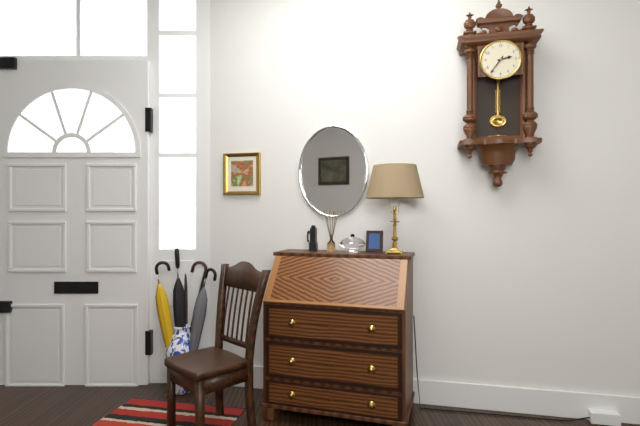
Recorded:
2.36
